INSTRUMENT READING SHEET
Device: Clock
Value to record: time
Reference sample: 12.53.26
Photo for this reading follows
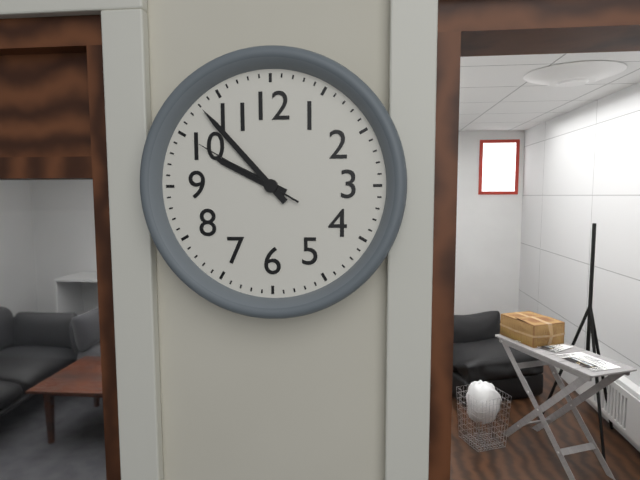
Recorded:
9.53.50
